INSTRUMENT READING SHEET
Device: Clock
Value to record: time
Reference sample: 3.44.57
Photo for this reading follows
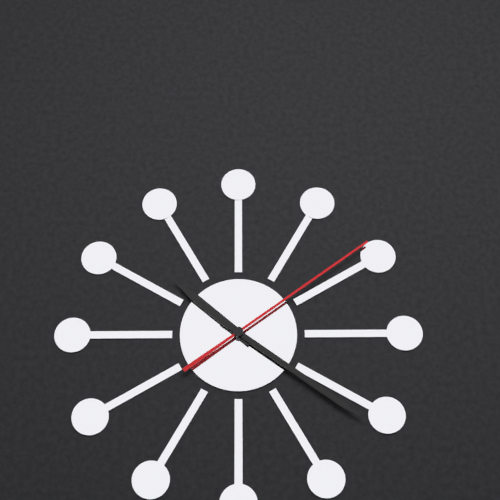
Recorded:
10.21.09
